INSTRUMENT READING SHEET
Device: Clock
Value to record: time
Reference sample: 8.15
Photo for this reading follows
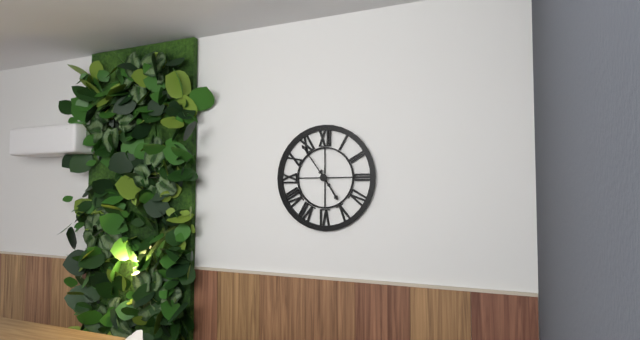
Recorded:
4.54
